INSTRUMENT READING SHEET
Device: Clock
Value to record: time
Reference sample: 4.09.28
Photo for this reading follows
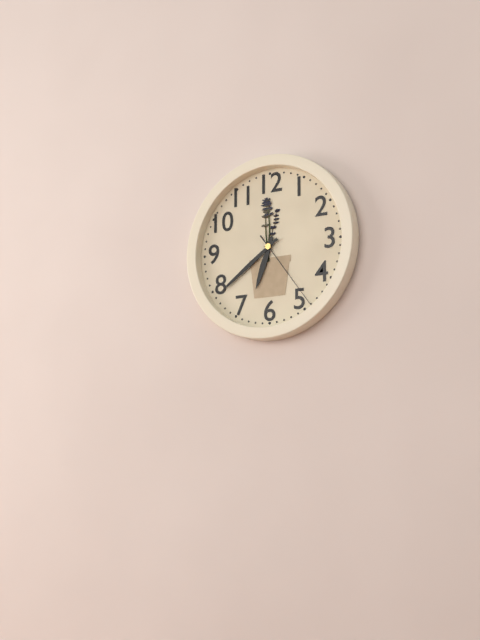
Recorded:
6.39.24
